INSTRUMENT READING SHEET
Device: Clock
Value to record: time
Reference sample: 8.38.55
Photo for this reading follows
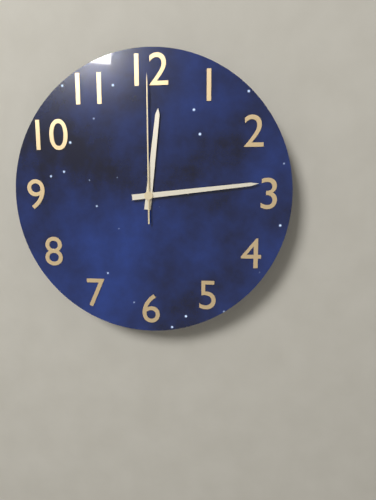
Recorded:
12.14.00
